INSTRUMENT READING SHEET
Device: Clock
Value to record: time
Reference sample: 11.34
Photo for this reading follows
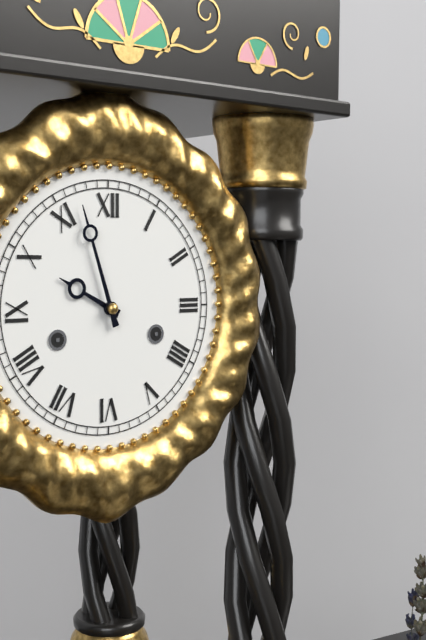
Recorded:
9.57
